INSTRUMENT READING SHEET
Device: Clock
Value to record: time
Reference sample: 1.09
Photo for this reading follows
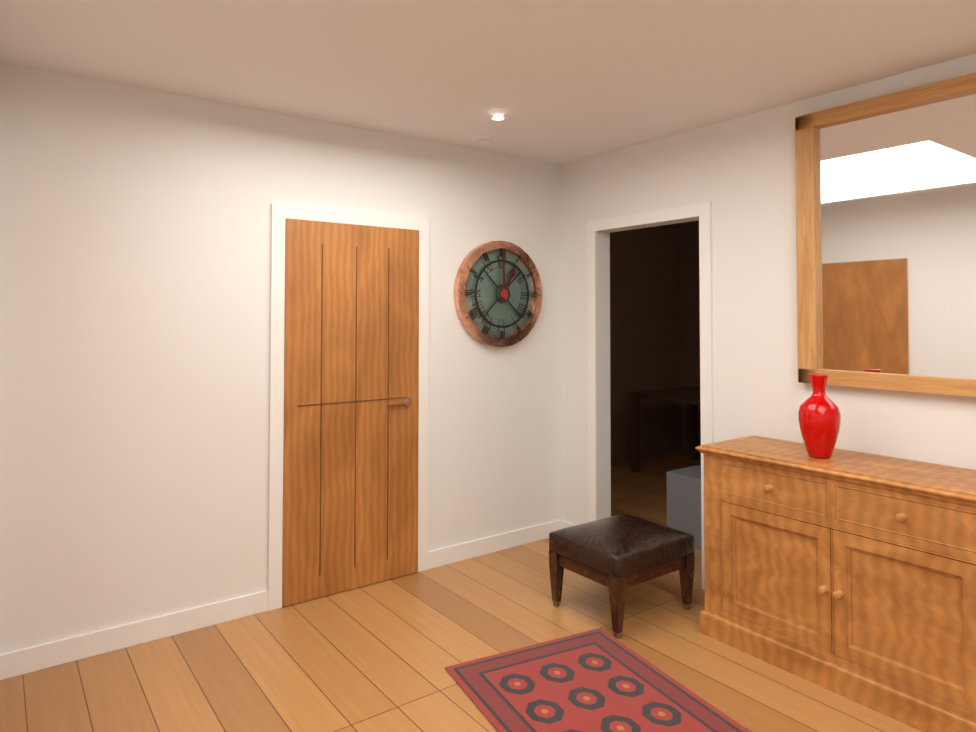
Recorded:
1.00
